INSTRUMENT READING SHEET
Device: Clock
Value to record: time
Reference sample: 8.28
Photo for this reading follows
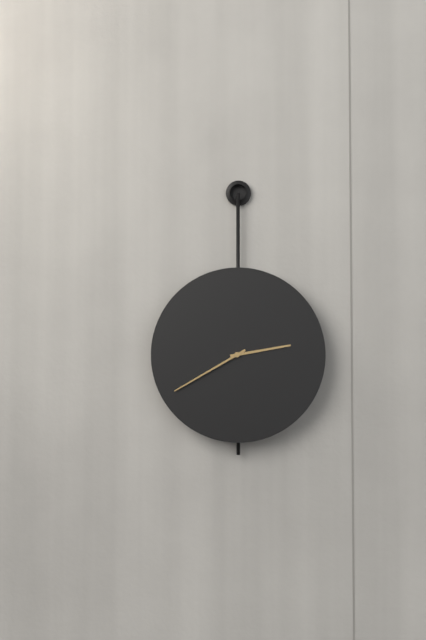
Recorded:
2.40
